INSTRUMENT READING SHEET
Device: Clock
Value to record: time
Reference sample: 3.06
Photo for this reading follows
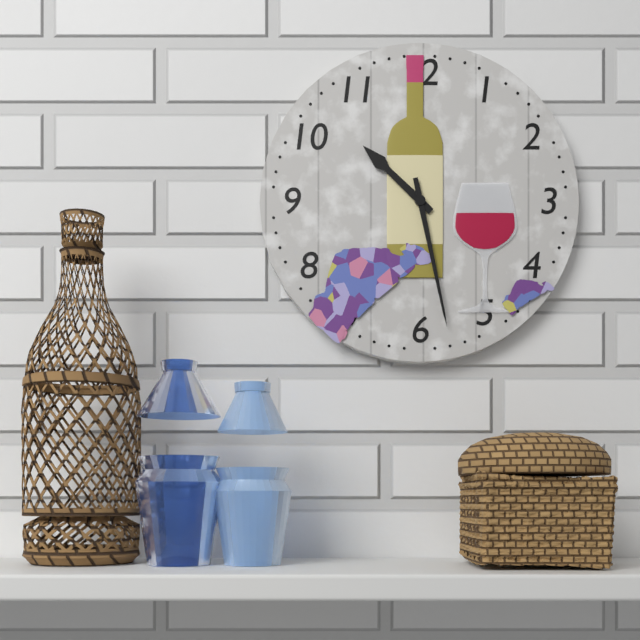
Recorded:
10.28
